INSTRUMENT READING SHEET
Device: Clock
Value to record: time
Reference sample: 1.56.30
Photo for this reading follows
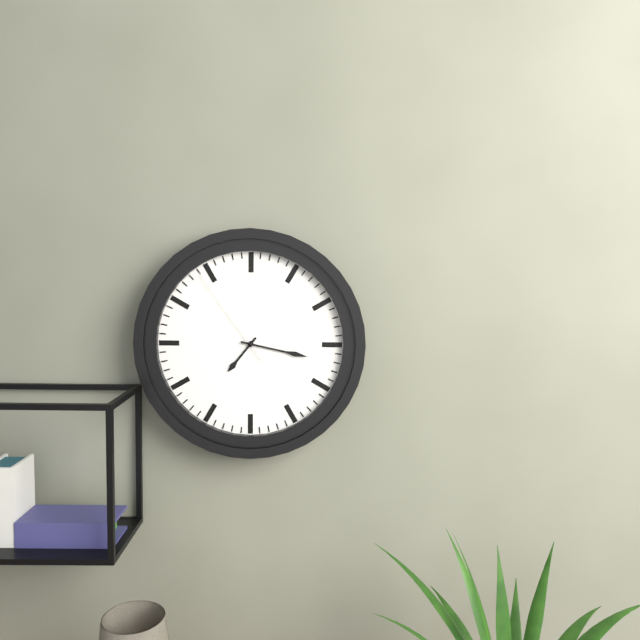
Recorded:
7.17.54
